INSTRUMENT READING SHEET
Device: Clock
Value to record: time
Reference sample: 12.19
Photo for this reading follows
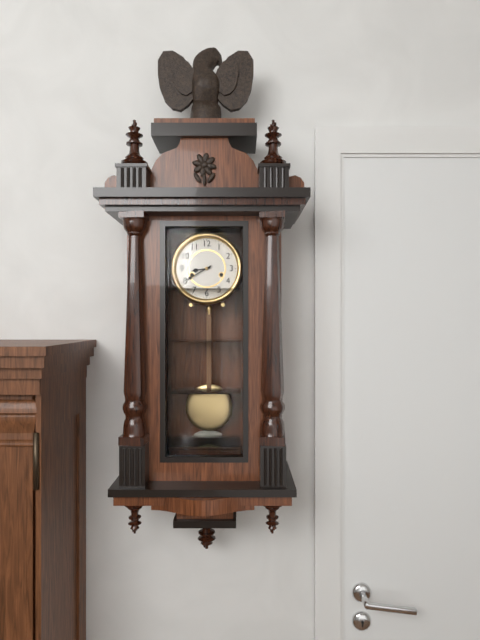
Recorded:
8.40
